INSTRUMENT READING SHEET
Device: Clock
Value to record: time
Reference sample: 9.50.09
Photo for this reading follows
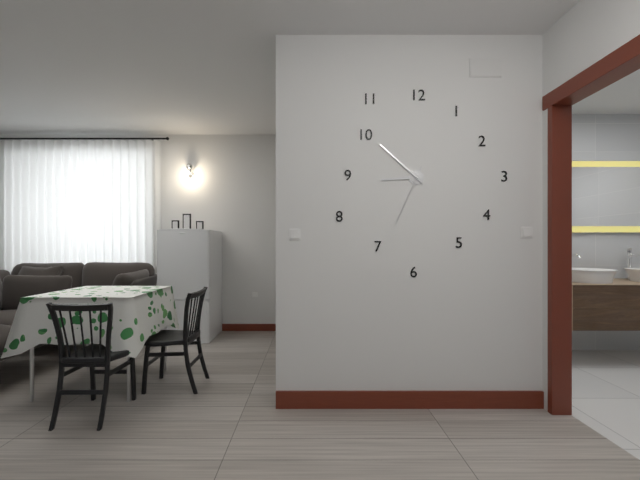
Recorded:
8.52.34
